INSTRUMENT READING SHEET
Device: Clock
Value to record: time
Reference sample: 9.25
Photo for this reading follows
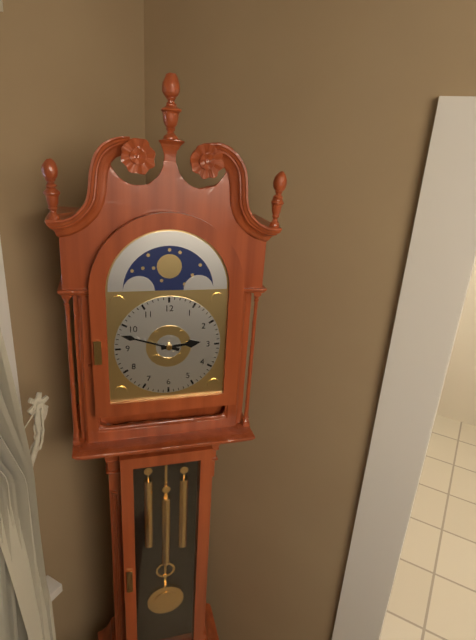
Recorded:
2.48
